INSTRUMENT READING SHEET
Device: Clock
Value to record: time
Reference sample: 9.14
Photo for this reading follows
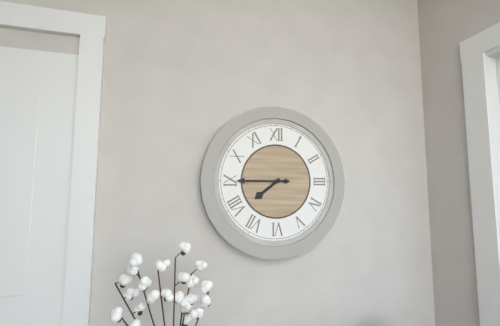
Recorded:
7.45
